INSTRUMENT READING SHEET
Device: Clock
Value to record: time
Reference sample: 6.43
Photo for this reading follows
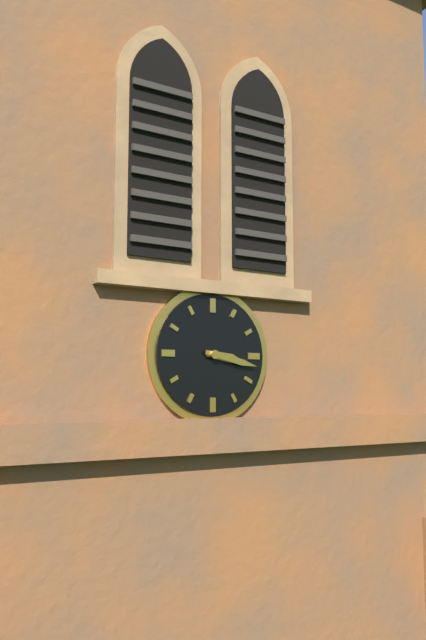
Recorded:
3.17
